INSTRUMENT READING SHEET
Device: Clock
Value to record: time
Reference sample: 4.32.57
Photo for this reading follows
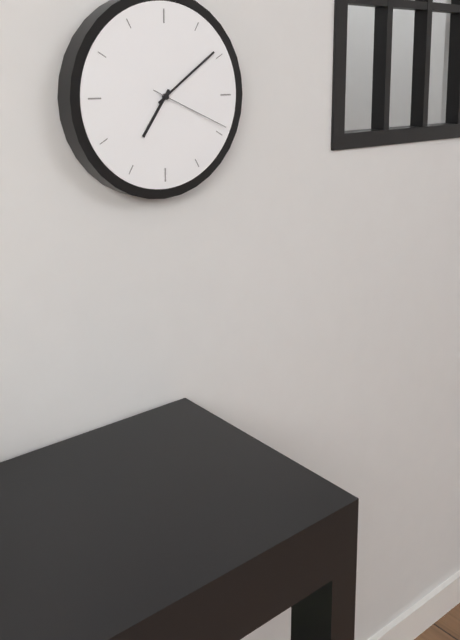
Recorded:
7.09.19
